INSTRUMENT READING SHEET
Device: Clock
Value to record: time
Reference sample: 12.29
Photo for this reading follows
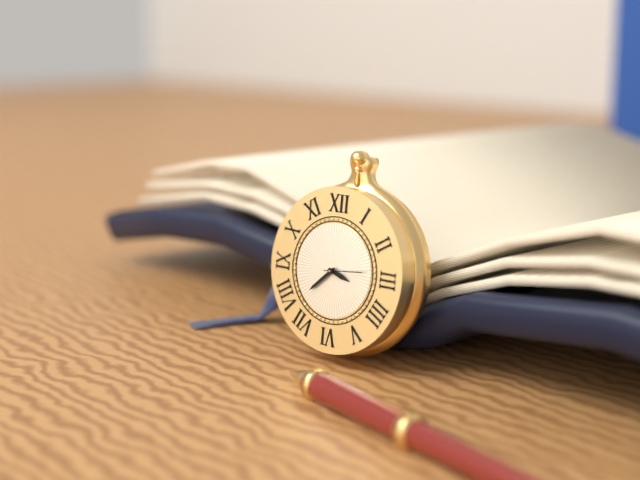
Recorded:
3.38
